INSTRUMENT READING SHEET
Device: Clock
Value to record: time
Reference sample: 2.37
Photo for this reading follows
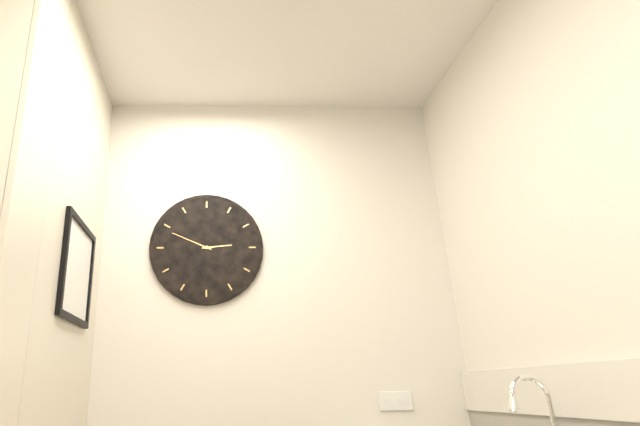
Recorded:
2.49
